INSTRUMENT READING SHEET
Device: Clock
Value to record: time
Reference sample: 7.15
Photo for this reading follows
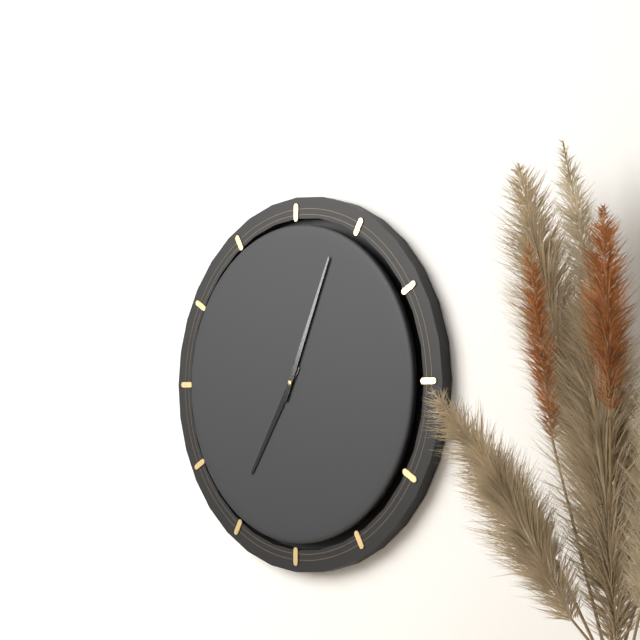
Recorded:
7.04
